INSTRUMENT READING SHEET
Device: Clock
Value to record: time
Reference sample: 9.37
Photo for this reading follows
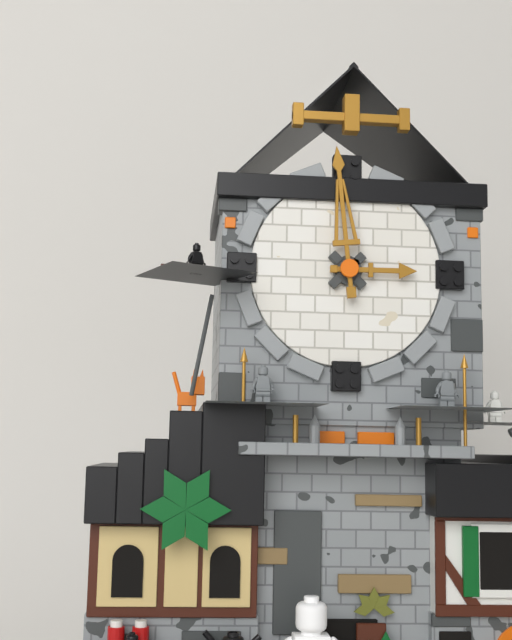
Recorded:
2.59
